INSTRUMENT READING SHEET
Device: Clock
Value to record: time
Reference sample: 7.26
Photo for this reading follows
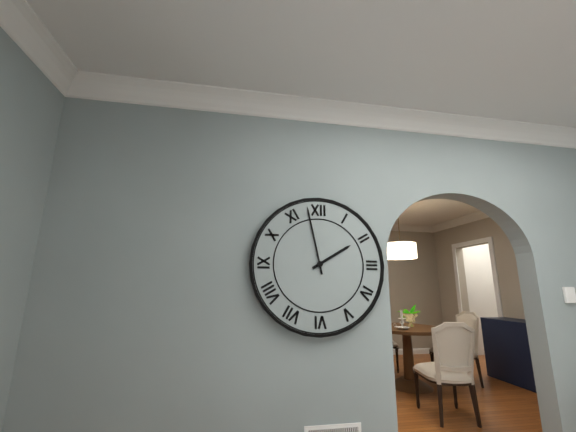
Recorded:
1.58
